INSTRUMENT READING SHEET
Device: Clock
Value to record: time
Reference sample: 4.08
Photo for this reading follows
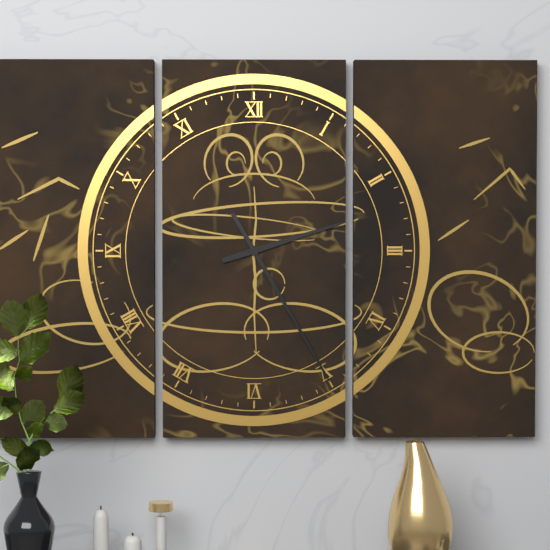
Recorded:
2.25
